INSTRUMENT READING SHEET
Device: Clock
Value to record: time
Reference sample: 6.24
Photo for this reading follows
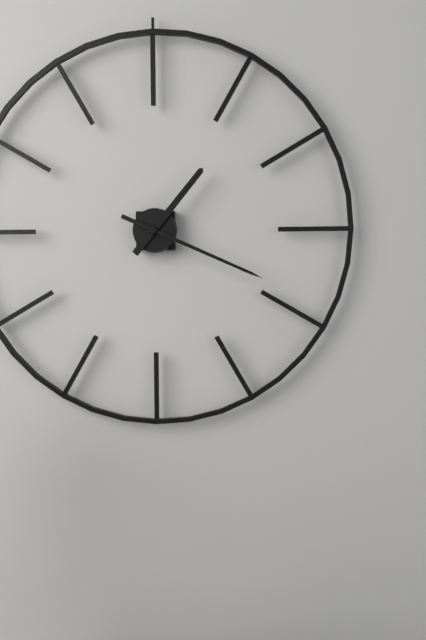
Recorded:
1.19
